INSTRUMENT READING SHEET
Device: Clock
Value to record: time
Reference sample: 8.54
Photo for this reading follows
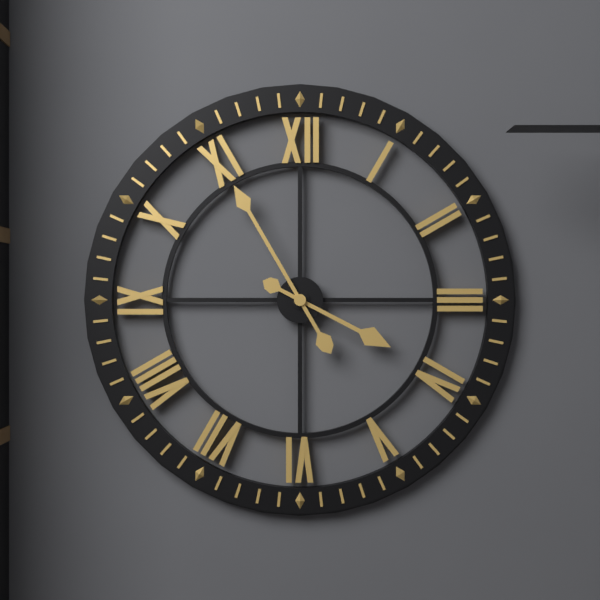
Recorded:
3.55
